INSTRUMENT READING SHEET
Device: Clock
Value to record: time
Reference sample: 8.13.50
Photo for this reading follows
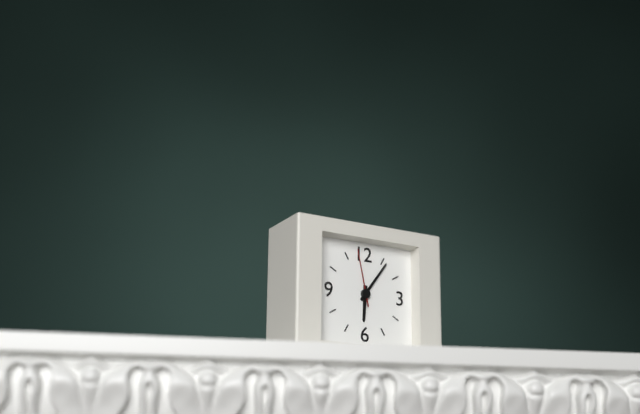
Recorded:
6.06.58
